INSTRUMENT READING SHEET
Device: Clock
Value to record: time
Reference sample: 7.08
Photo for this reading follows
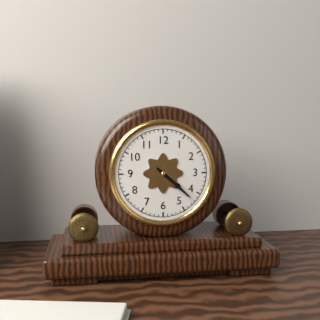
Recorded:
4.22
